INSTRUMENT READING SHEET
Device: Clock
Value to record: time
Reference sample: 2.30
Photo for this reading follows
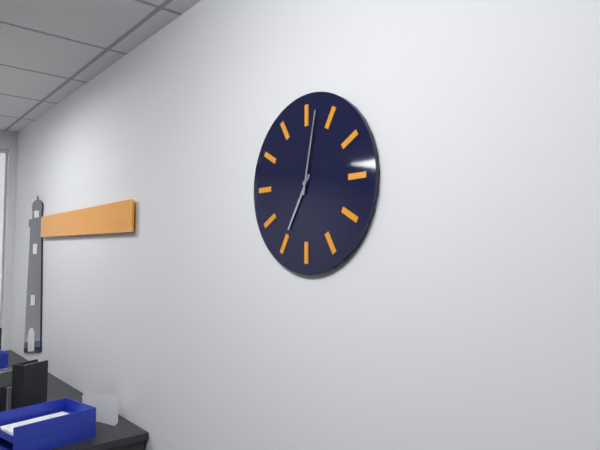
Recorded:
7.02
